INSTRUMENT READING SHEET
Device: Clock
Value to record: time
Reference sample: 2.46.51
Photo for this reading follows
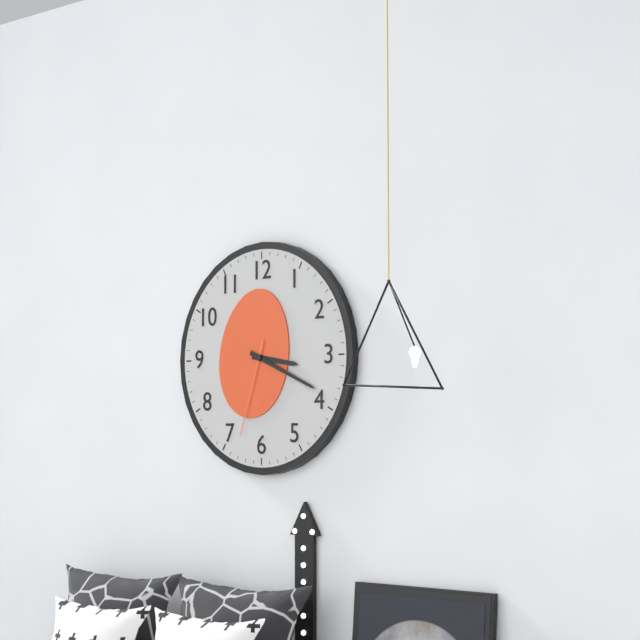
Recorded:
3.19.33
